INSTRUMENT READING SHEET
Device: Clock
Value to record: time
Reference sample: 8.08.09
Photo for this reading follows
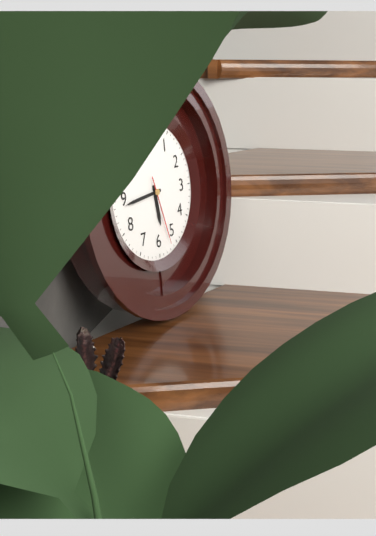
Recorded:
5.44.27
